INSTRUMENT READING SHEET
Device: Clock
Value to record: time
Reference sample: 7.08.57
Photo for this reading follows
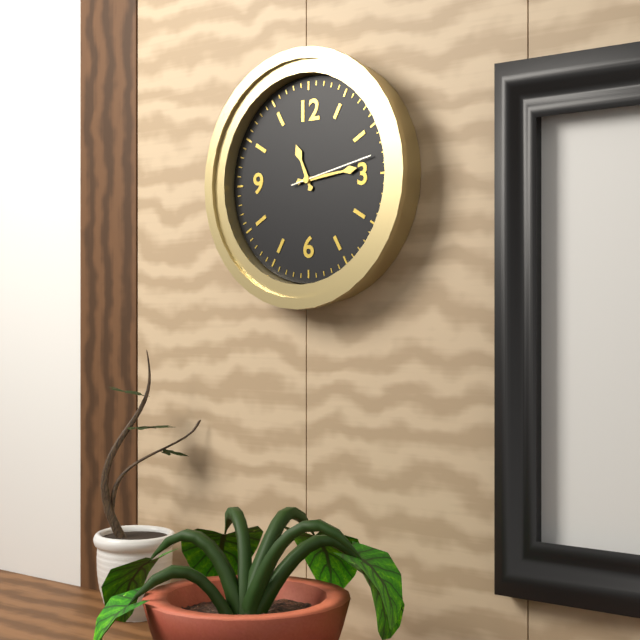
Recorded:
11.14.13
